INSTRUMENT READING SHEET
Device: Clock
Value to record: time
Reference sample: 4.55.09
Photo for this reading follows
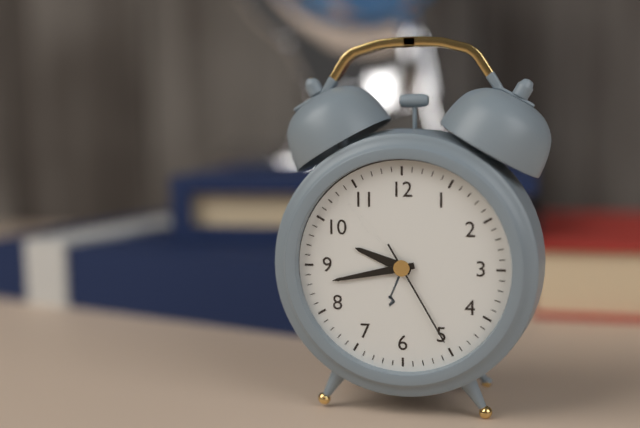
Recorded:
9.43.25
